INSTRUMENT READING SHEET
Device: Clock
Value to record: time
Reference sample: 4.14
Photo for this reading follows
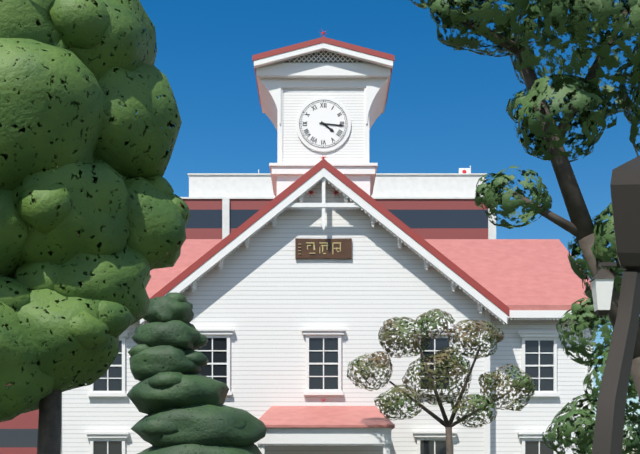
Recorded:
4.16
